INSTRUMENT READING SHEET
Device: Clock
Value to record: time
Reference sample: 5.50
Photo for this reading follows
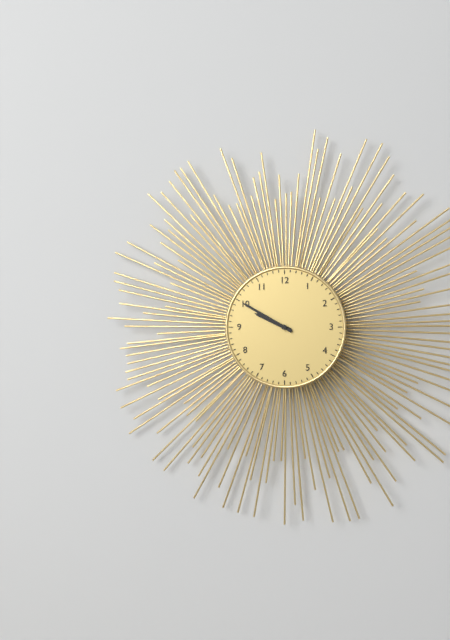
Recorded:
9.50
